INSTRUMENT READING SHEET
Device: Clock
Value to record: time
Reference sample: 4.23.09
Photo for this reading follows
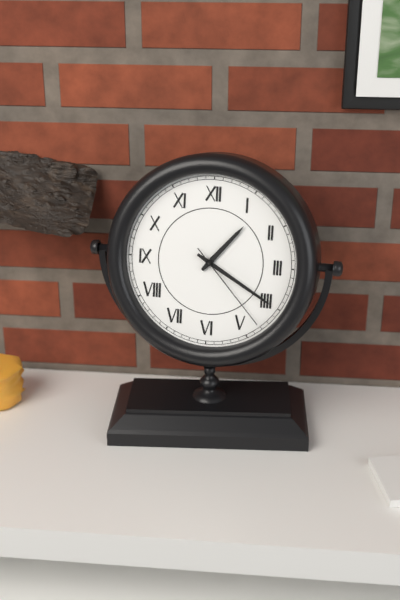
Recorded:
1.20.23
